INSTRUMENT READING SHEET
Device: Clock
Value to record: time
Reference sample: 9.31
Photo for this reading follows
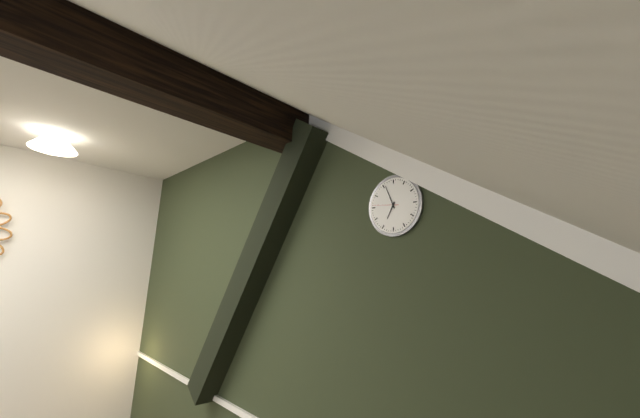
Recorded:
6.56
